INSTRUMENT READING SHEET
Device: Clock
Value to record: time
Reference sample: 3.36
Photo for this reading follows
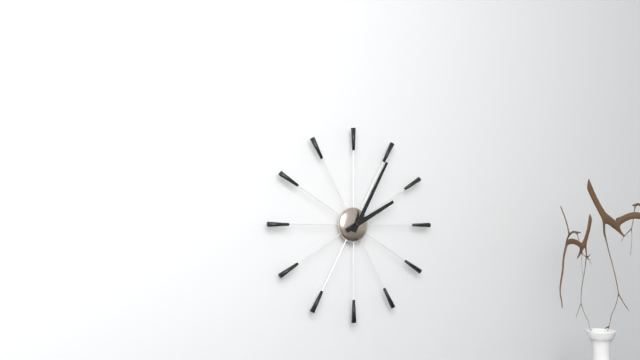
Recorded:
2.05
